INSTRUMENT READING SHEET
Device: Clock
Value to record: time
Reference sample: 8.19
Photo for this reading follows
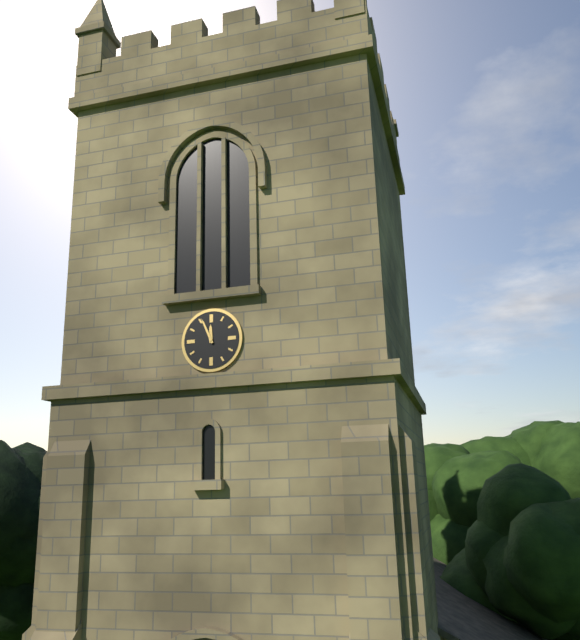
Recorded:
11.56
